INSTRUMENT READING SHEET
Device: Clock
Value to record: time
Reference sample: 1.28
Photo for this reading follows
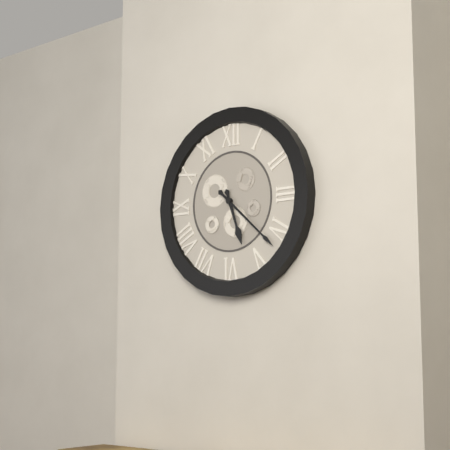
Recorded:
5.22
